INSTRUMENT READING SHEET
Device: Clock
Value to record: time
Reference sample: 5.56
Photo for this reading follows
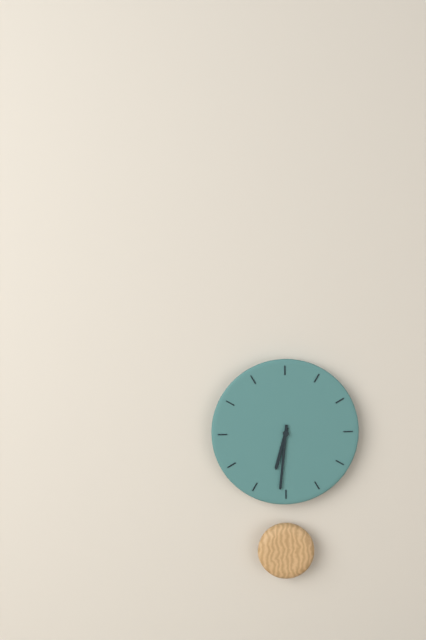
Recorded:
6.31
